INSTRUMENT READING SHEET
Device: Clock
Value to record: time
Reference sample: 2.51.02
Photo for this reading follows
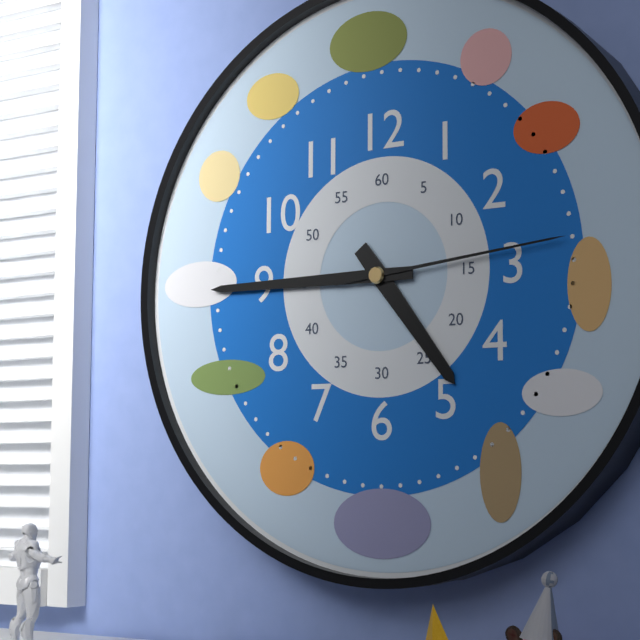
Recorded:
4.45.14
